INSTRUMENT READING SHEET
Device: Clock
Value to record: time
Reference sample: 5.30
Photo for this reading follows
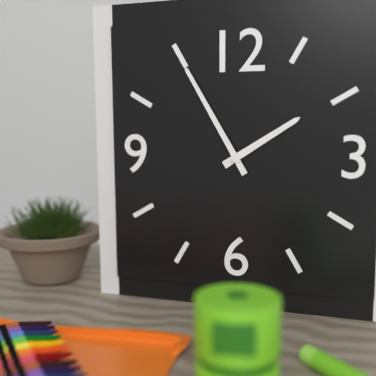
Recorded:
1.55
